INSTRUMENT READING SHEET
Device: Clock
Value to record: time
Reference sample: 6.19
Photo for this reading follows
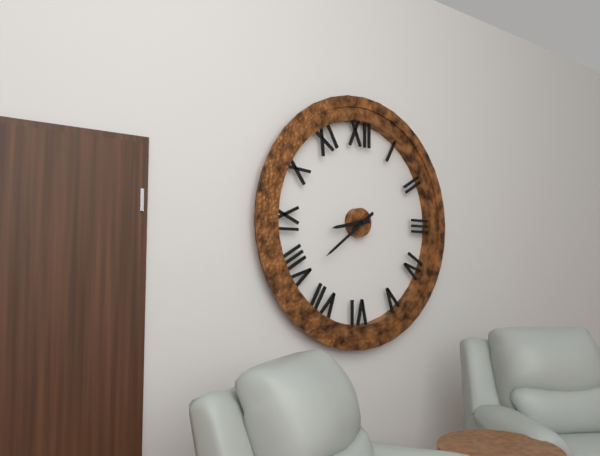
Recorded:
8.39
